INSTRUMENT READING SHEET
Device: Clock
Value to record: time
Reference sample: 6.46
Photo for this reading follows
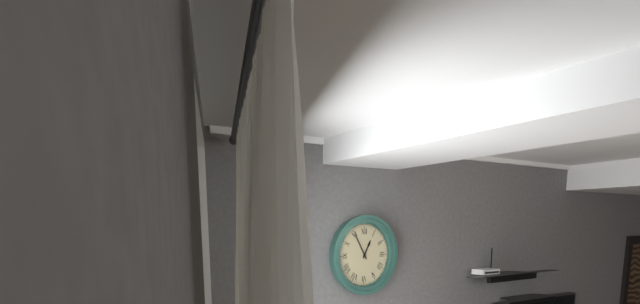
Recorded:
12.55
